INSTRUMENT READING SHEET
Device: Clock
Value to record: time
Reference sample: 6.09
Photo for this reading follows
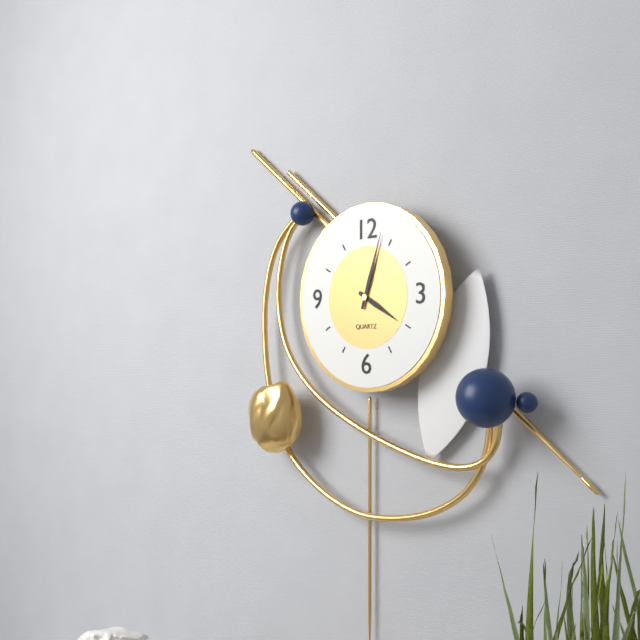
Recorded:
4.03
